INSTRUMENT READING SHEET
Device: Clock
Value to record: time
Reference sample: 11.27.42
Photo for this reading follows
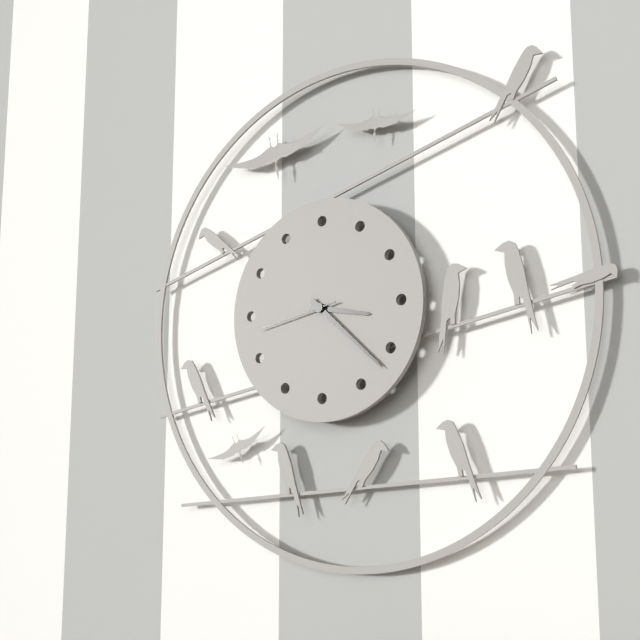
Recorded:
3.22.43
